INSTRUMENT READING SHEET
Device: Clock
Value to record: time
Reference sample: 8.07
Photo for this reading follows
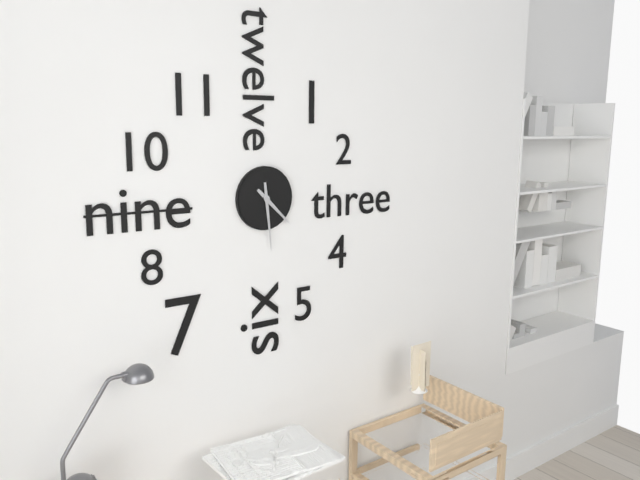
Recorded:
4.29
